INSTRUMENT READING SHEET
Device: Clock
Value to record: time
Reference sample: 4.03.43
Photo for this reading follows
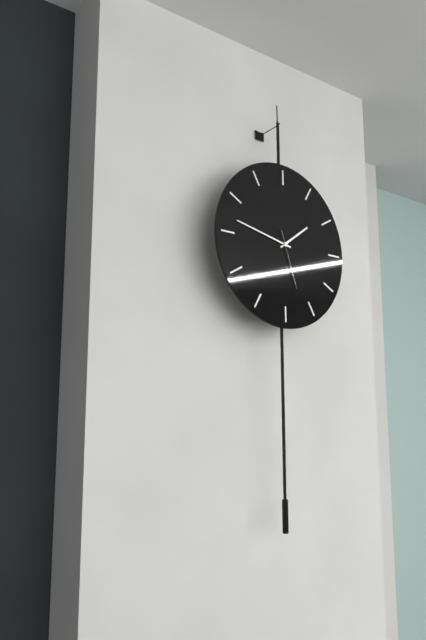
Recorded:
1.47.27
